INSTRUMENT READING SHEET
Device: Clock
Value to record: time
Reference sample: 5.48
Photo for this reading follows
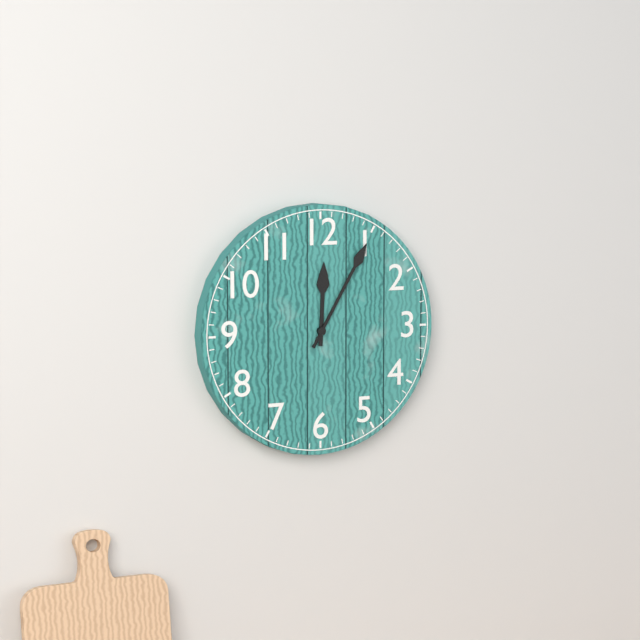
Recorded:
12.05
